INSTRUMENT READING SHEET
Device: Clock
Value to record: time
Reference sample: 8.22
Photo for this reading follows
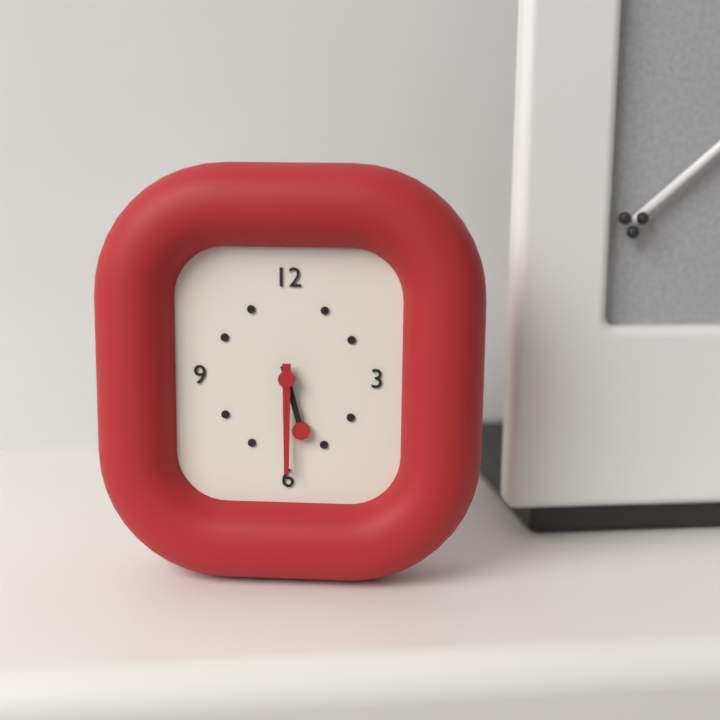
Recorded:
5.30
